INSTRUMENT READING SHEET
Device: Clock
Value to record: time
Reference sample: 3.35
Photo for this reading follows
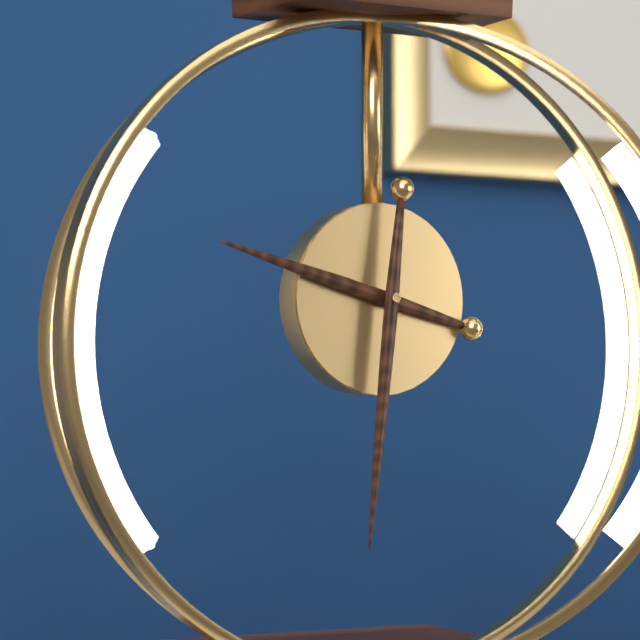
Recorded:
9.31
